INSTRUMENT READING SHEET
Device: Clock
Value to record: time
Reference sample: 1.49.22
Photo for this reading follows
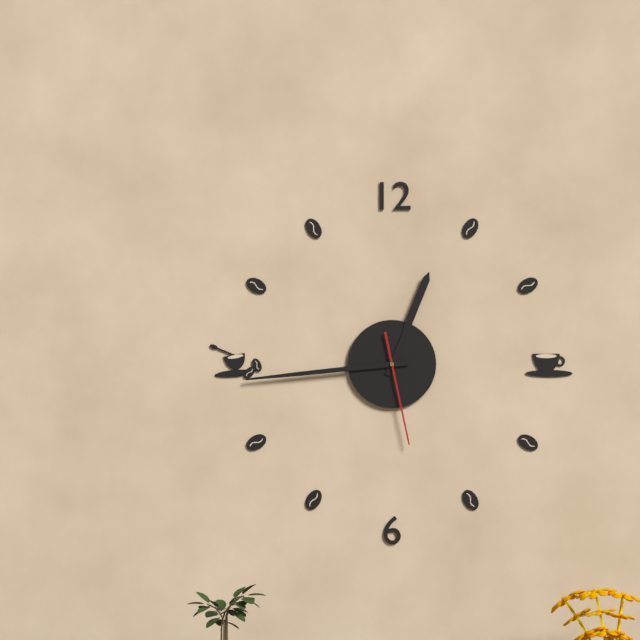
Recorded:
12.44.28
